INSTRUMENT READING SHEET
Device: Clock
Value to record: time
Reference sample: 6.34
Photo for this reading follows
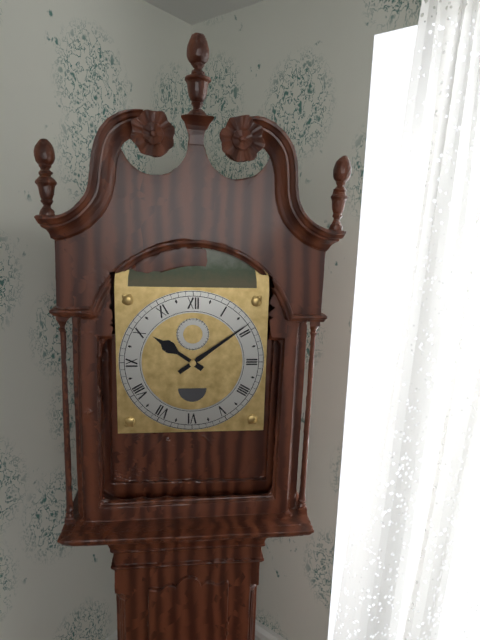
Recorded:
10.09
